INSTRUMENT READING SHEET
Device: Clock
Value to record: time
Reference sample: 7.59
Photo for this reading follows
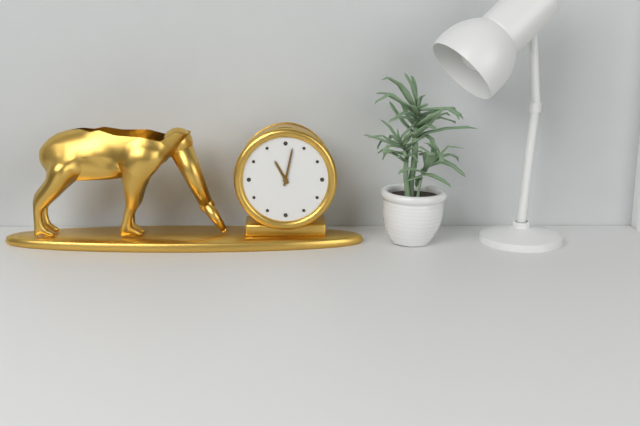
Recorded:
11.02
